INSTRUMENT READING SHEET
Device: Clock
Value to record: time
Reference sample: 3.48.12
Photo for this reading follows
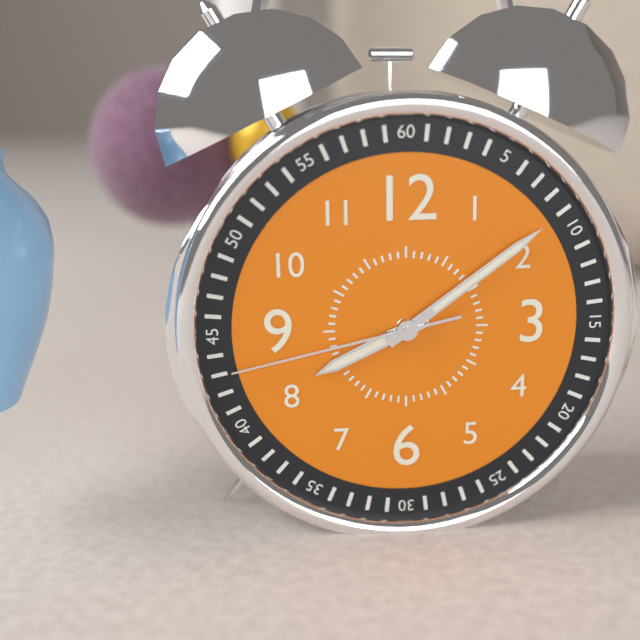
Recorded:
8.09.43
